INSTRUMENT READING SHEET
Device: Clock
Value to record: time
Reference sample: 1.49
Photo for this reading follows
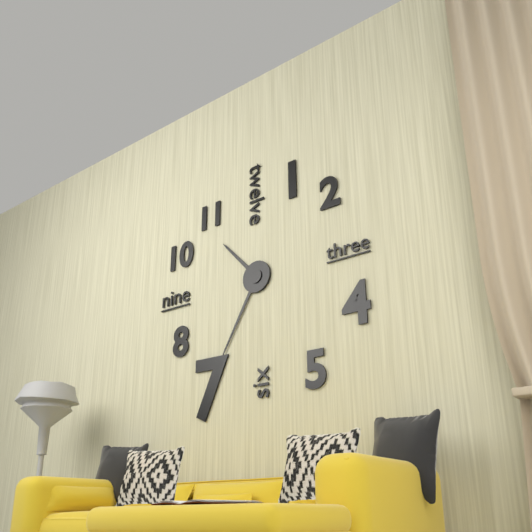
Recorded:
10.35
